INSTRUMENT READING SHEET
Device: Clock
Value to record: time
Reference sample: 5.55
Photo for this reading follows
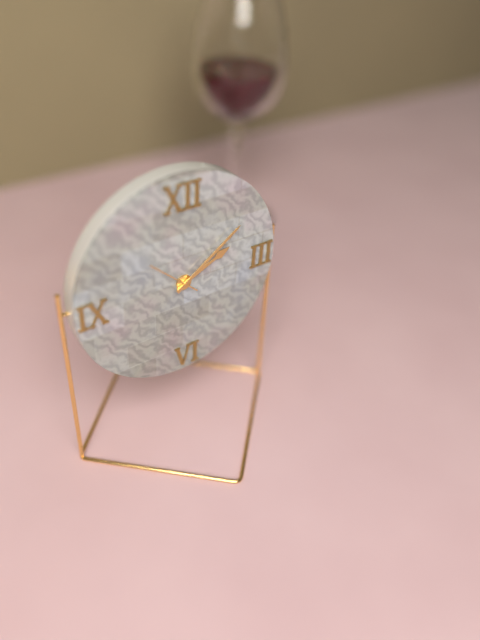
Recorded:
2.09
